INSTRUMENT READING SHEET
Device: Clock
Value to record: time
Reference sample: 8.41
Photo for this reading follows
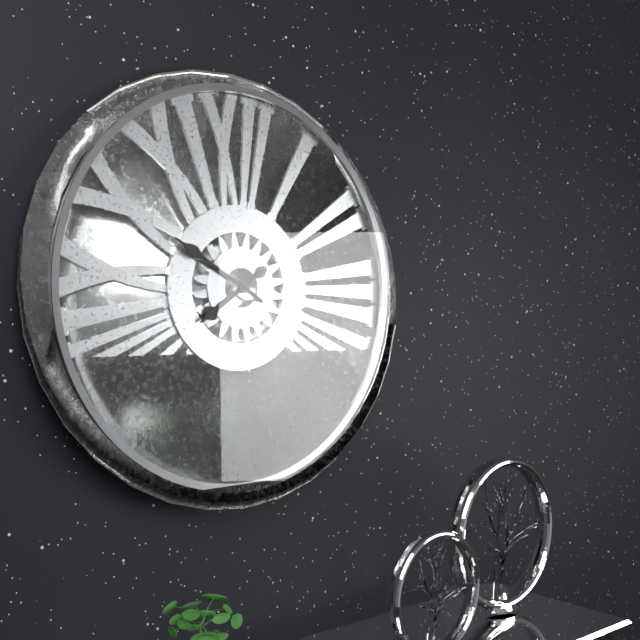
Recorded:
7.50
